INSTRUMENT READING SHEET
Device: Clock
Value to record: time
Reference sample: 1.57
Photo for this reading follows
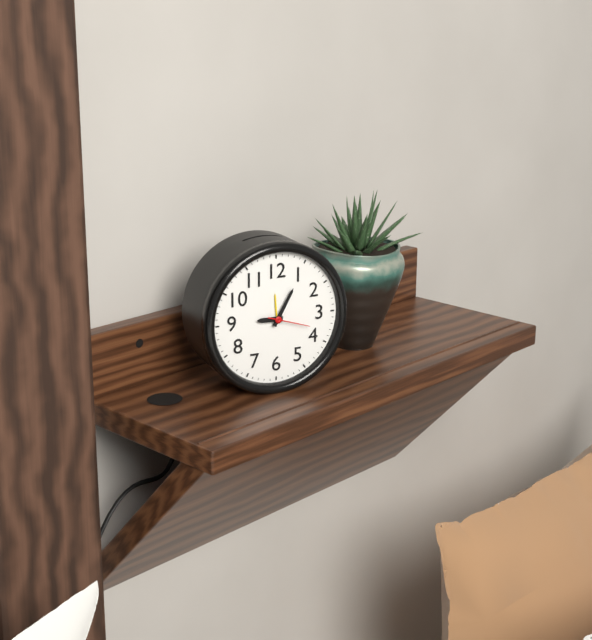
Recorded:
9.05
